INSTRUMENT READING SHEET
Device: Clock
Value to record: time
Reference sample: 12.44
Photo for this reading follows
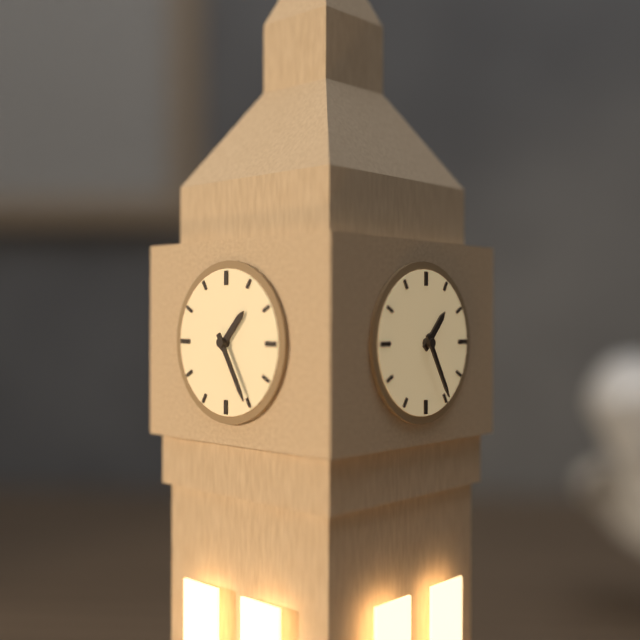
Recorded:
1.25
